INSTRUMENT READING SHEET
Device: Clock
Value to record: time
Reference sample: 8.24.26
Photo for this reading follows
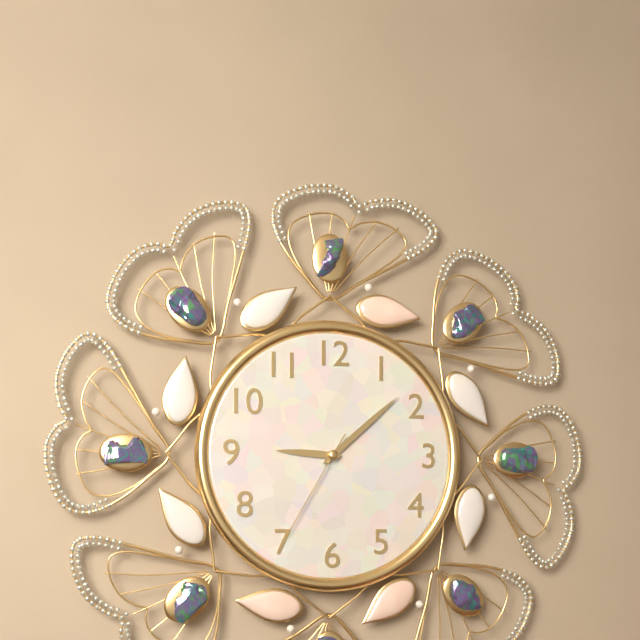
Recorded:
9.08.35
